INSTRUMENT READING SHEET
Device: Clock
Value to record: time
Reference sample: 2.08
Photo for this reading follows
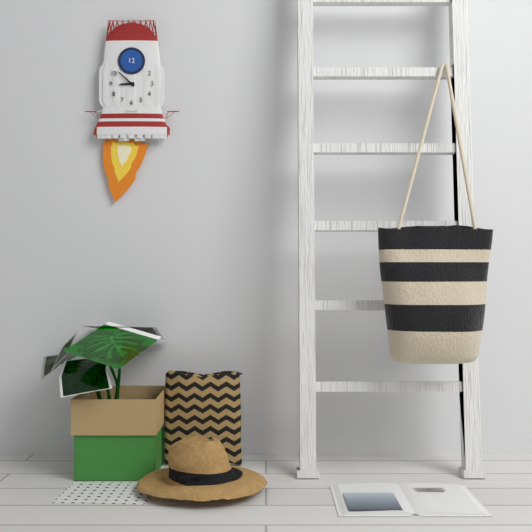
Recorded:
8.52
